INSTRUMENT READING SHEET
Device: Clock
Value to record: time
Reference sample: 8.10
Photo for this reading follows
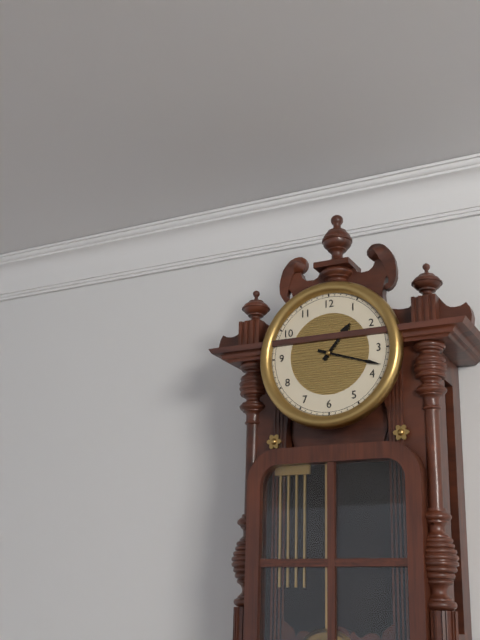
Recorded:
1.18
